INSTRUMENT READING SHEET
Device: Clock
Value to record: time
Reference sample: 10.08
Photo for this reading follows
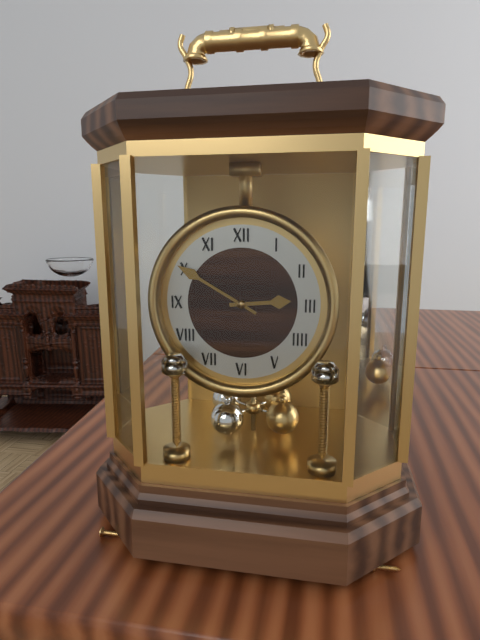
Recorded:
2.50
